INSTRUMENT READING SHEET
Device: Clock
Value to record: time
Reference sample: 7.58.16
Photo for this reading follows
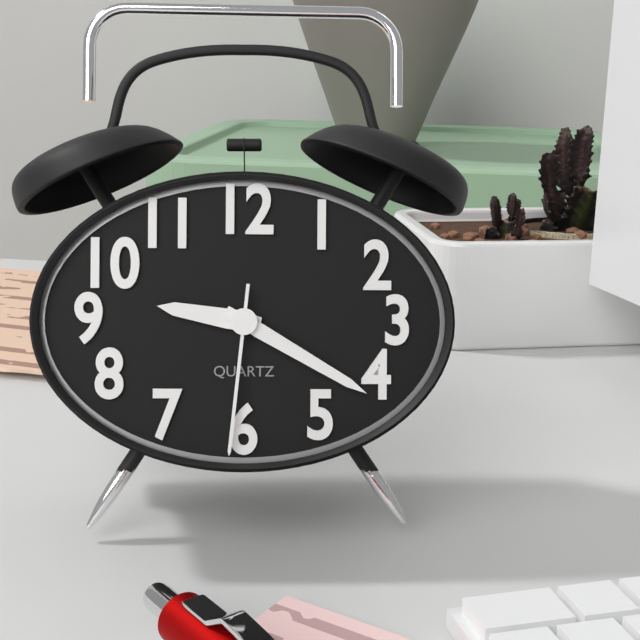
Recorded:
9.20.31
